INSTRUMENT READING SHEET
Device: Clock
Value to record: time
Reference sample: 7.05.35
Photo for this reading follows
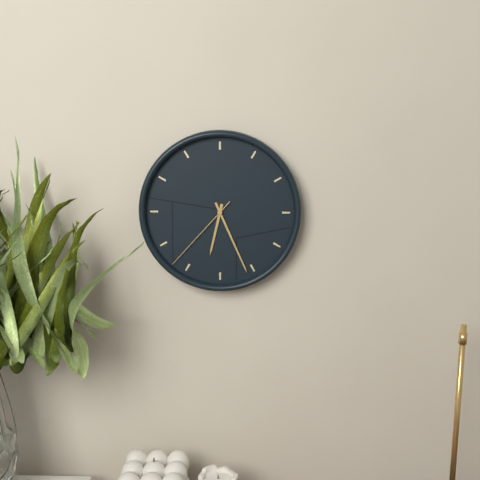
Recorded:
6.26.37
